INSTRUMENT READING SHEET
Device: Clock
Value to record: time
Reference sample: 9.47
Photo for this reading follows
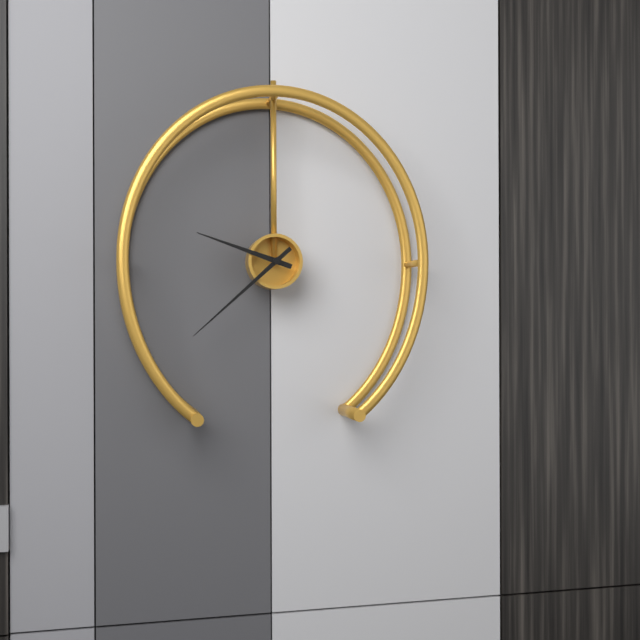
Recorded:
9.38
